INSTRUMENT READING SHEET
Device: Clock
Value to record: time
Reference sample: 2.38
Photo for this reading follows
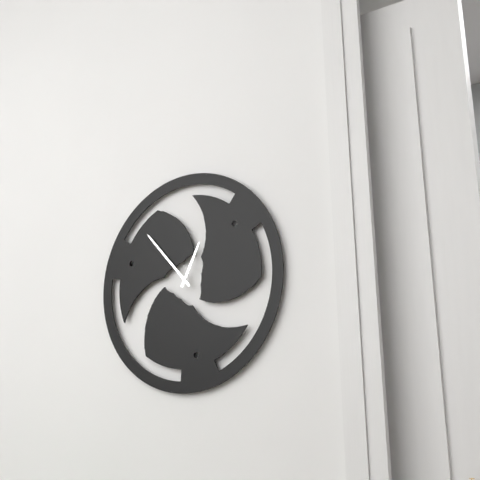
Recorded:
12.53
